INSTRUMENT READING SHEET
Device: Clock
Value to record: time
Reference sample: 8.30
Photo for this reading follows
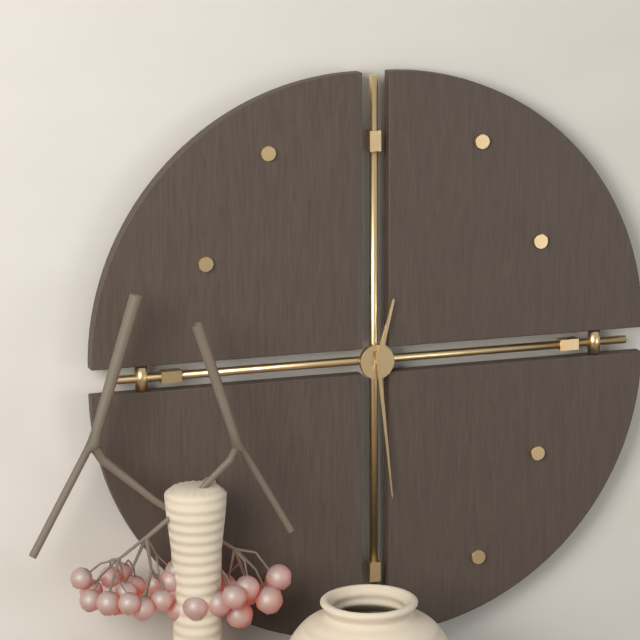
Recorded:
12.29
